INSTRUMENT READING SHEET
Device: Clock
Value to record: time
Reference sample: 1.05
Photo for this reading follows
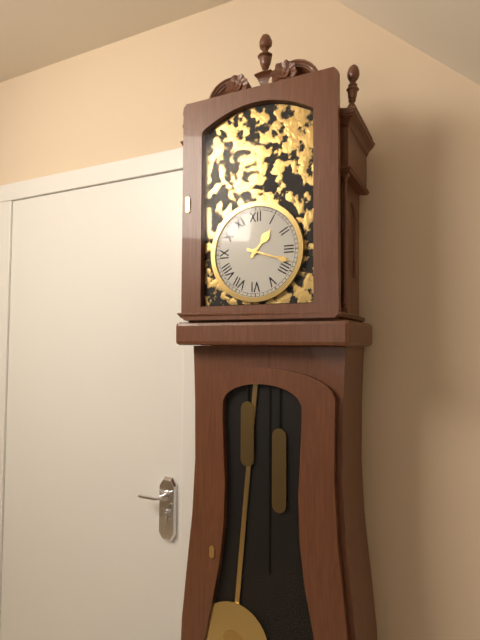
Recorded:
1.18
